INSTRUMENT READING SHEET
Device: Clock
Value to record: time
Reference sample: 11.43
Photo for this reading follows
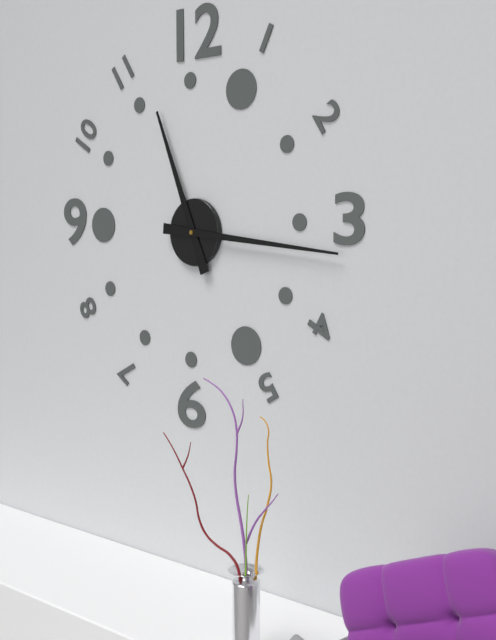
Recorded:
11.16
